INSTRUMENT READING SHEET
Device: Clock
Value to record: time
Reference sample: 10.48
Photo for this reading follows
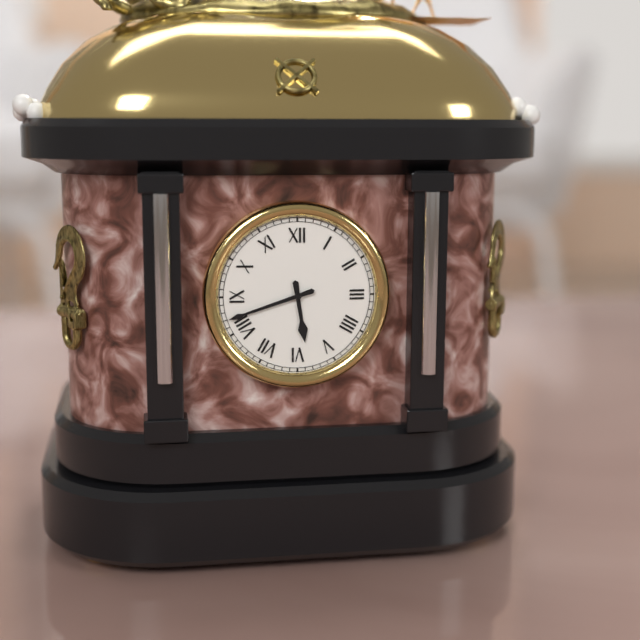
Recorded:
5.42
